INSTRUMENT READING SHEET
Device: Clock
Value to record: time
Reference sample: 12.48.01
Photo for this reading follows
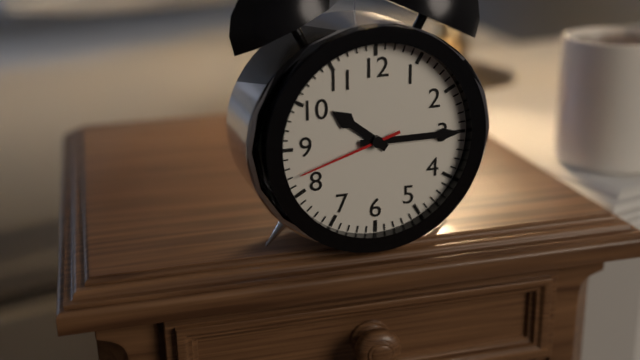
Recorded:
10.15.42
